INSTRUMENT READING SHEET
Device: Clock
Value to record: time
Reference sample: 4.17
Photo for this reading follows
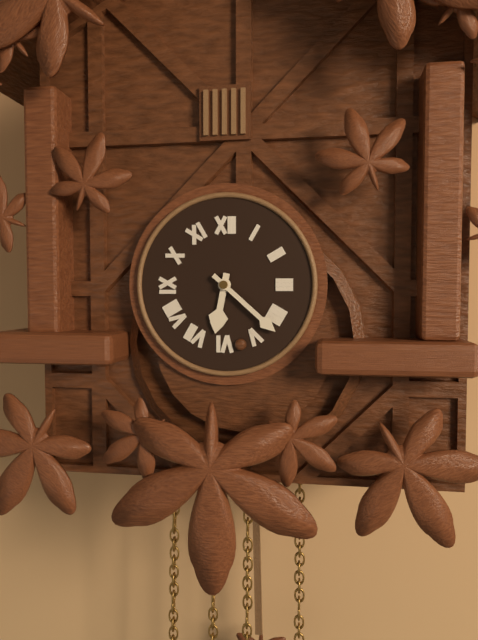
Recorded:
6.22
